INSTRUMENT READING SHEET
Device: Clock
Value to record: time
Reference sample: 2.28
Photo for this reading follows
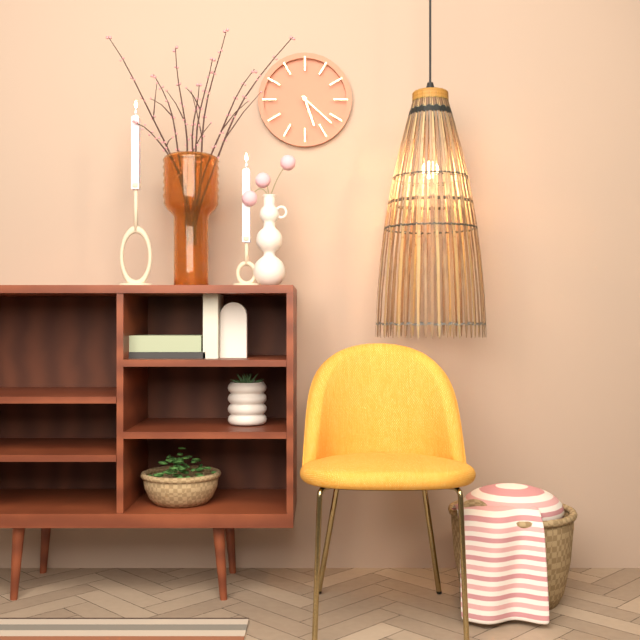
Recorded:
5.22
